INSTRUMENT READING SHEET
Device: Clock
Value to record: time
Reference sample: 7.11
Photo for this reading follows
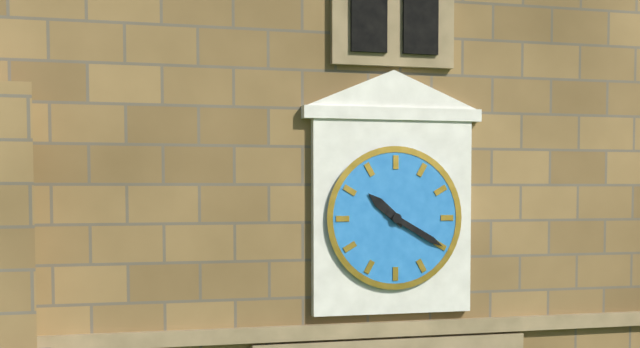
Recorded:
10.20
